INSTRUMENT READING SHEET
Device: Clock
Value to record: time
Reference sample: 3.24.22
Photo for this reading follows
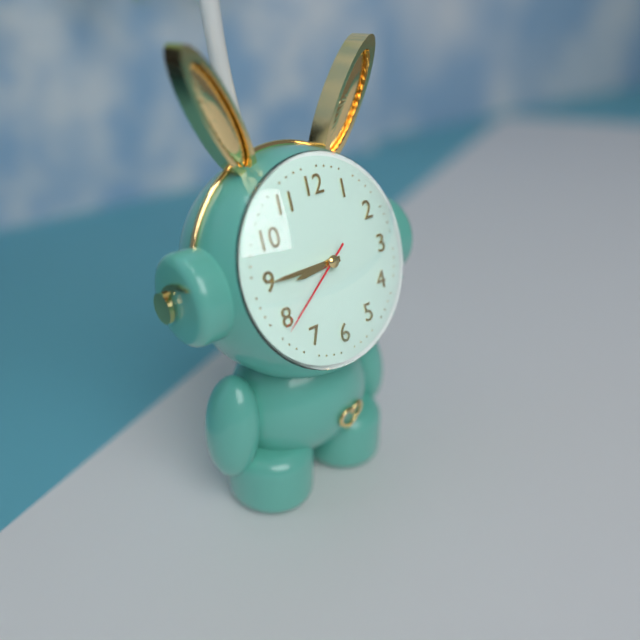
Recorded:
8.45.39
